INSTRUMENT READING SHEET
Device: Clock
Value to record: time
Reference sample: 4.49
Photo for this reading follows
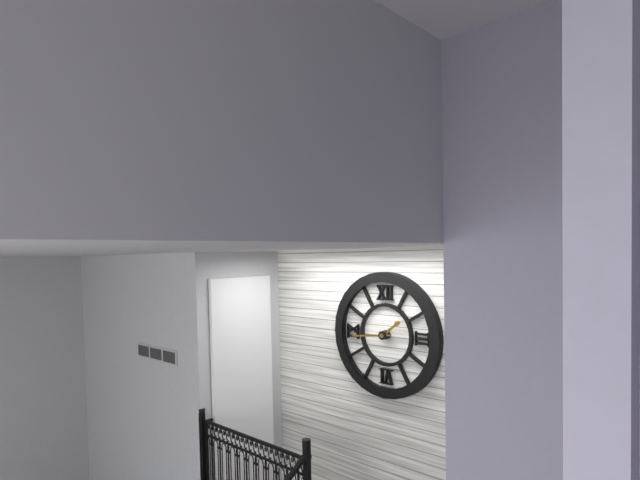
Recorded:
1.44
